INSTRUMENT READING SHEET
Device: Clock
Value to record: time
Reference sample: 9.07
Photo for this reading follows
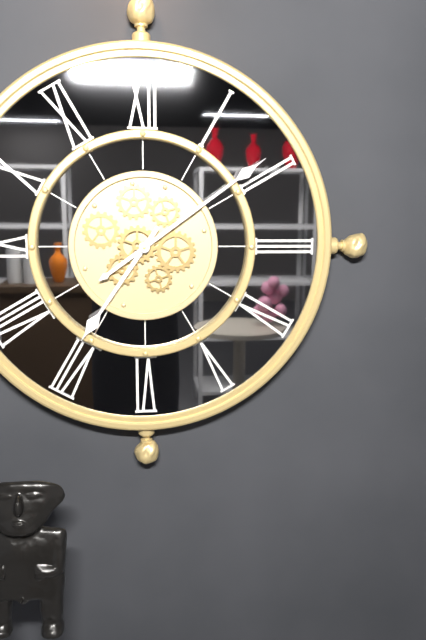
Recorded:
7.09
